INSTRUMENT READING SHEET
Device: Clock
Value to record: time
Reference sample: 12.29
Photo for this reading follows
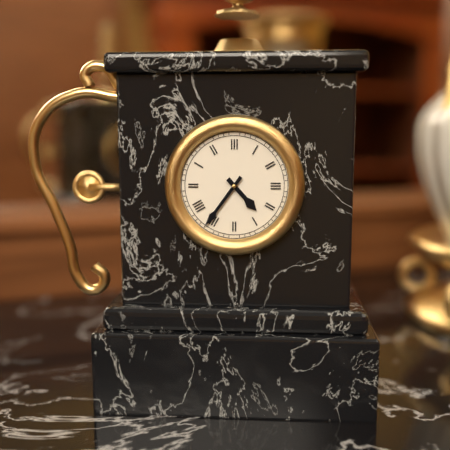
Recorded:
4.36
